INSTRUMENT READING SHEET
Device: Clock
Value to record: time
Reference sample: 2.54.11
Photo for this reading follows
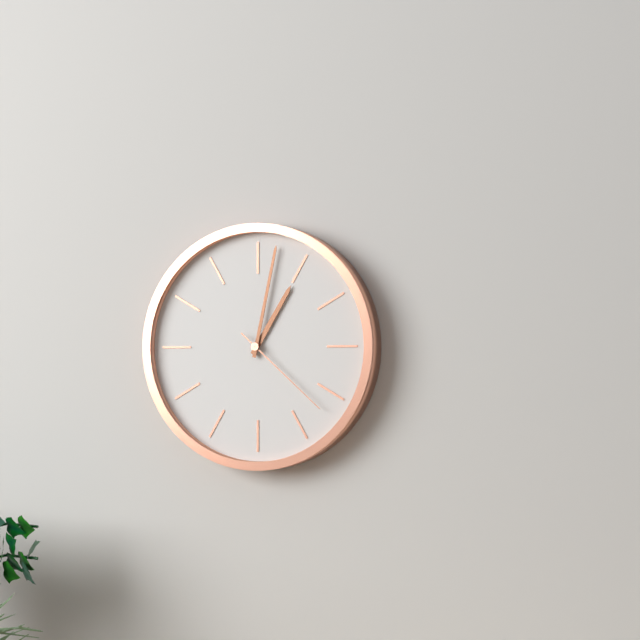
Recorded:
1.02.22
